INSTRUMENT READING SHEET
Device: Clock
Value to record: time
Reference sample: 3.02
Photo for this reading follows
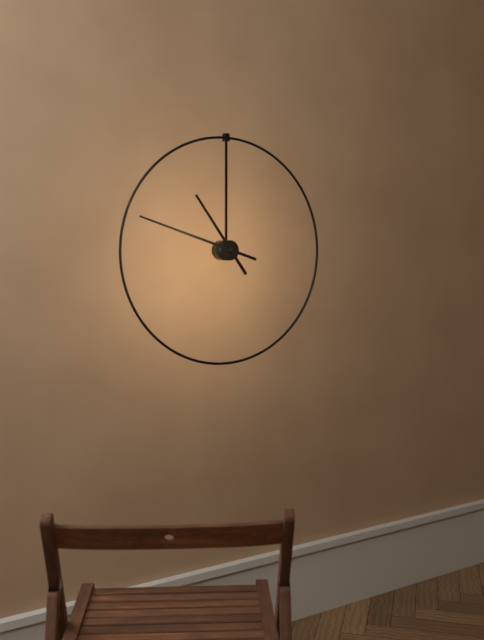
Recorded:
10.48
